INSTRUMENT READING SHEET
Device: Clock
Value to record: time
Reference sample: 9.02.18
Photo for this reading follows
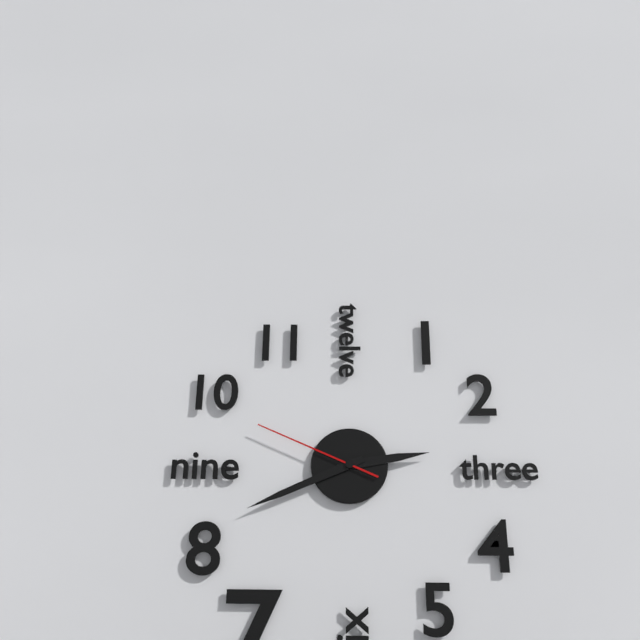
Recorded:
2.41.49
